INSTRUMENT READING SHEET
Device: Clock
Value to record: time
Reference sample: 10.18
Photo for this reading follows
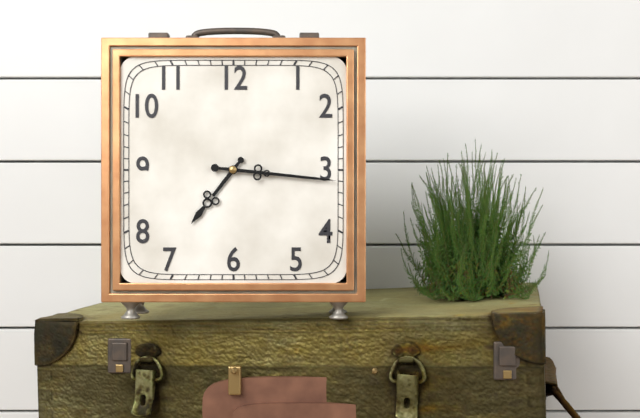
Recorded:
7.16
